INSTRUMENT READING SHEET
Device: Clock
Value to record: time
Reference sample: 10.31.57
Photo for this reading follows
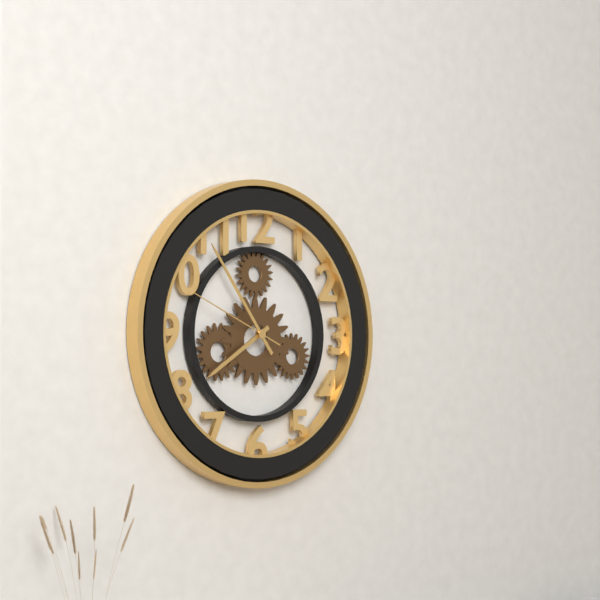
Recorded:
7.54.49
